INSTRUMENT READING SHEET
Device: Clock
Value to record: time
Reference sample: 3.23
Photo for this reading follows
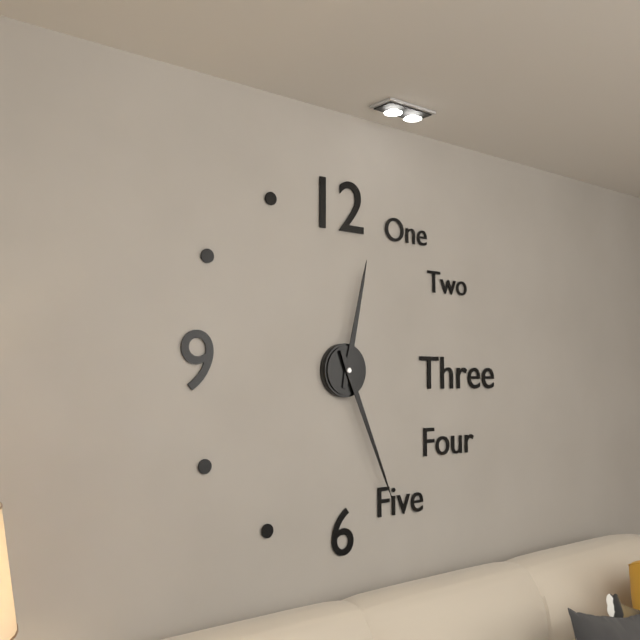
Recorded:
12.26
